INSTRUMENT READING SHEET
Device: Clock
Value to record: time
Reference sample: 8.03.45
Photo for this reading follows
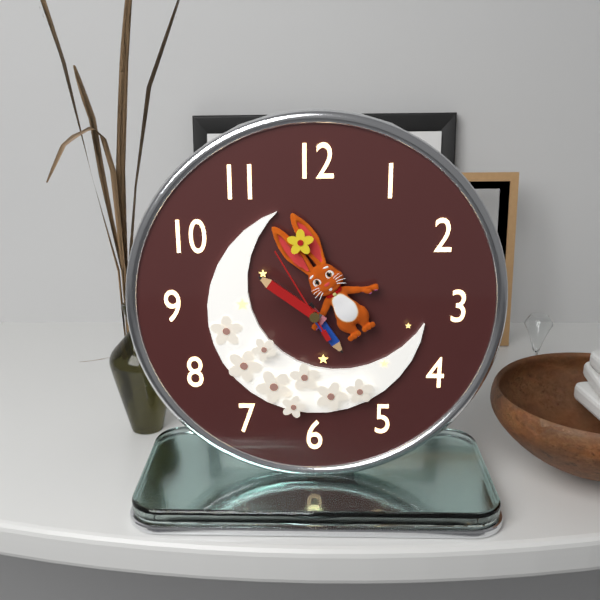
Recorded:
4.51.55
